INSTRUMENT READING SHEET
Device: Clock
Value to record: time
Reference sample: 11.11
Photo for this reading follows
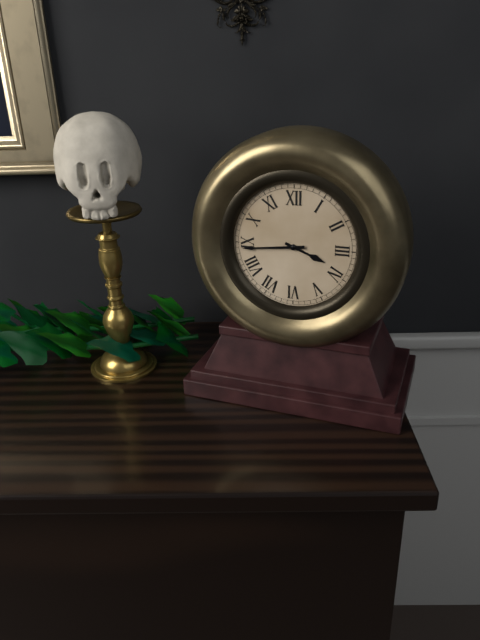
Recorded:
3.44
